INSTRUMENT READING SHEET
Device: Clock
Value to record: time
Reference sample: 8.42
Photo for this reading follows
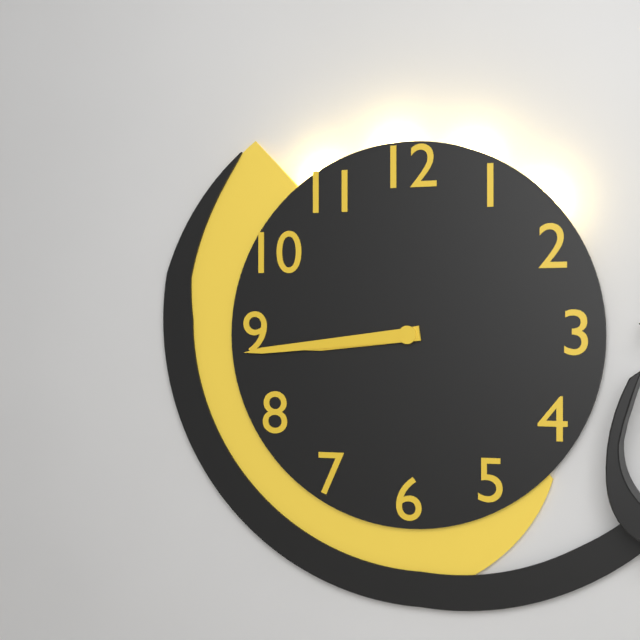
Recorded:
8.44
